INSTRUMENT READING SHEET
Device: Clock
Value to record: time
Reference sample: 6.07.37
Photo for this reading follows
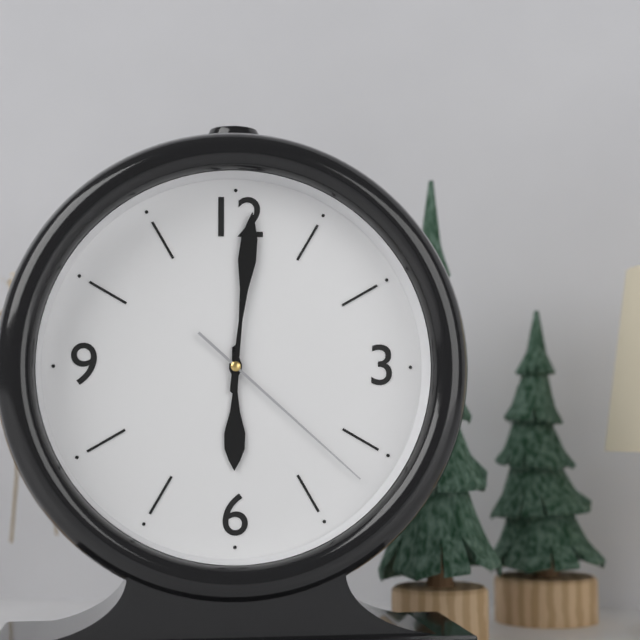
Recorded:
6.01.22
